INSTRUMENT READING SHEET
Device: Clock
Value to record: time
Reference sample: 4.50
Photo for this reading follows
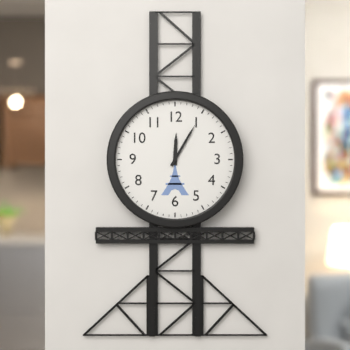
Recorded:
12.05
